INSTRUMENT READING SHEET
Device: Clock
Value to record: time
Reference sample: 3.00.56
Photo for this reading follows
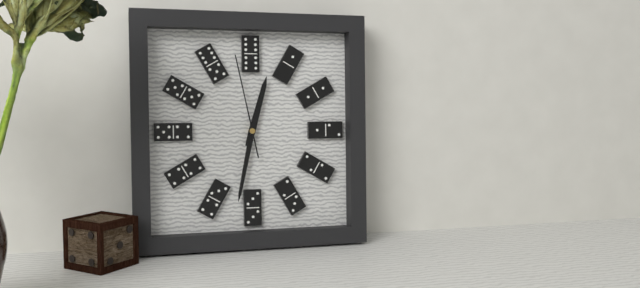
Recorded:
12.32.58
